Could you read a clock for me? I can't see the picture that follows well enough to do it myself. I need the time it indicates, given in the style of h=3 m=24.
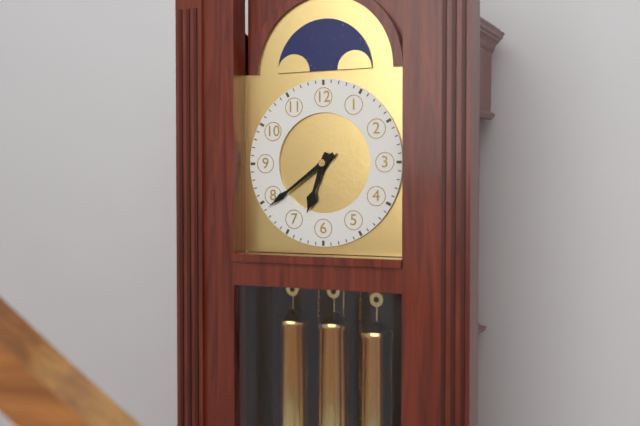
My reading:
h=6 m=39
